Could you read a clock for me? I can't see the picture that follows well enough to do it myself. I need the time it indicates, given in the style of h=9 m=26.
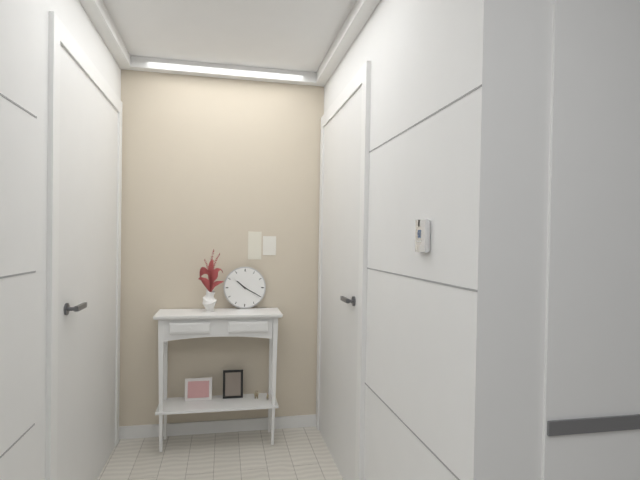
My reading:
h=10 m=20
